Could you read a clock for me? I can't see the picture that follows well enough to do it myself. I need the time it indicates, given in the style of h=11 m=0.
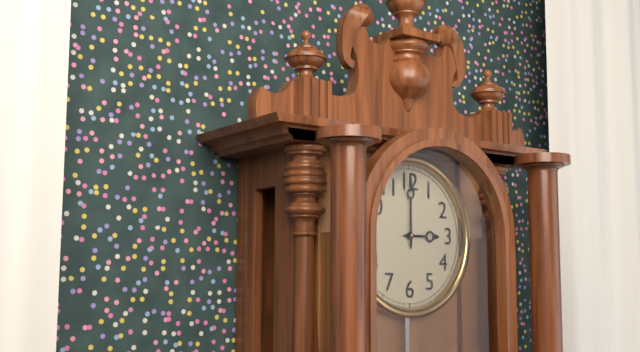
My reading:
h=3 m=0
